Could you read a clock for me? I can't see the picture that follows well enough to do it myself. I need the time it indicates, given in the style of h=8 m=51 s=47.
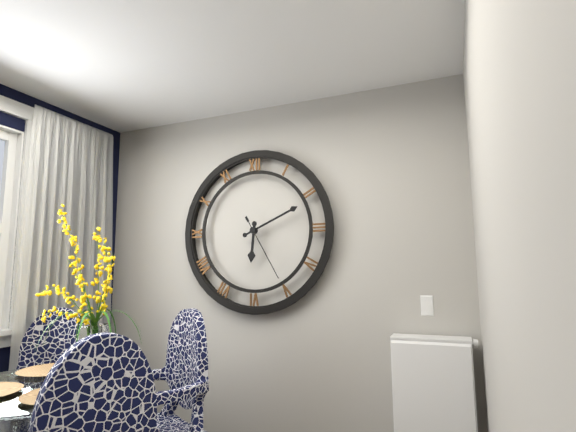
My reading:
h=6 m=11 s=25
